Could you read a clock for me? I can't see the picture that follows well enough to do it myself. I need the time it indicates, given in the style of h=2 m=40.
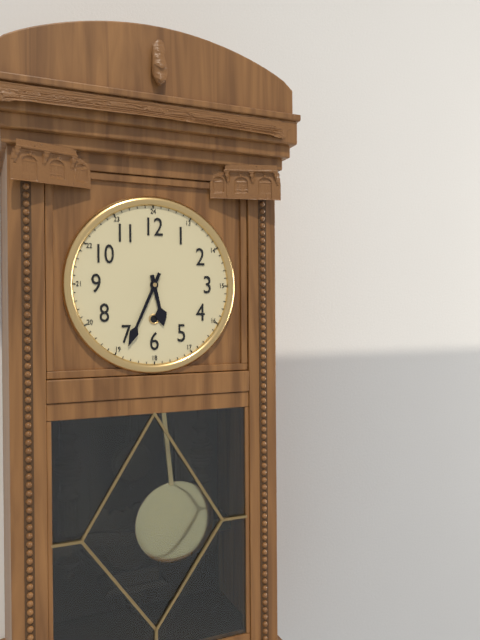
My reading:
h=5 m=34
